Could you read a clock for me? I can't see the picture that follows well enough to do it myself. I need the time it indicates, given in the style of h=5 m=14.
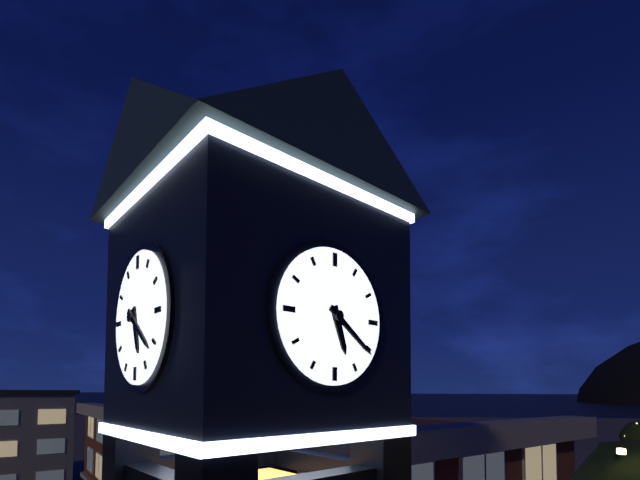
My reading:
h=5 m=21
